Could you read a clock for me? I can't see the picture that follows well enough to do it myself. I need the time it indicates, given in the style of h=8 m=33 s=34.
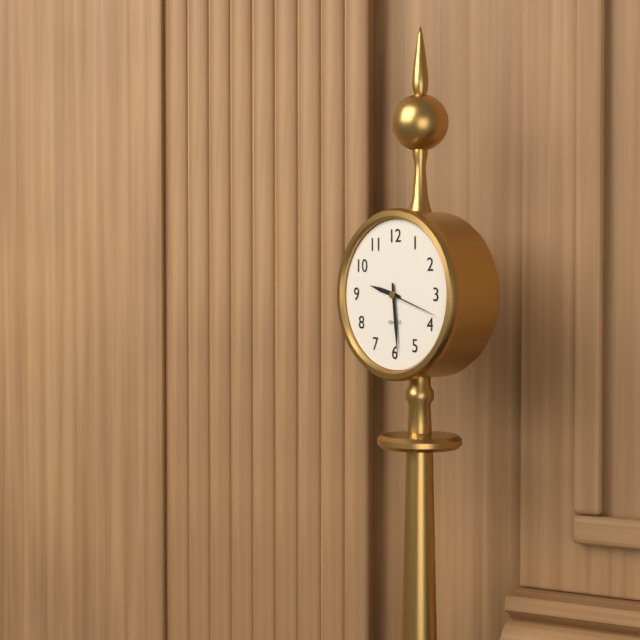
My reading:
h=9 m=29 s=18
